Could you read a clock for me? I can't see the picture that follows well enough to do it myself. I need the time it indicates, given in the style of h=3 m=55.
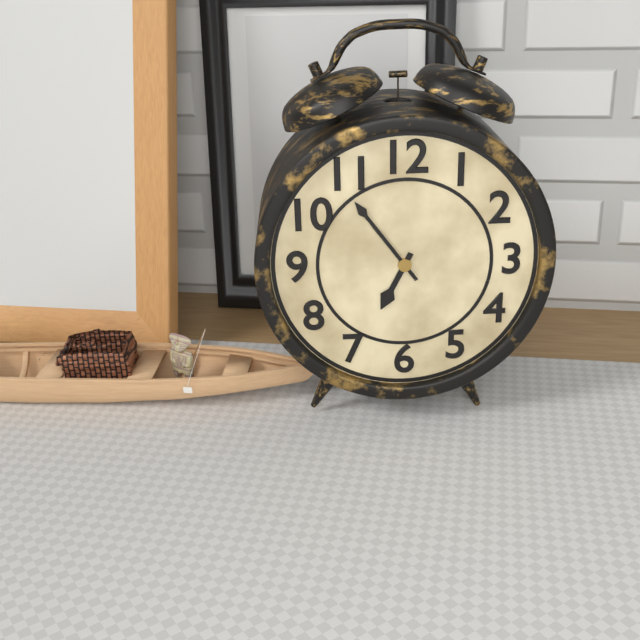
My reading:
h=6 m=54
